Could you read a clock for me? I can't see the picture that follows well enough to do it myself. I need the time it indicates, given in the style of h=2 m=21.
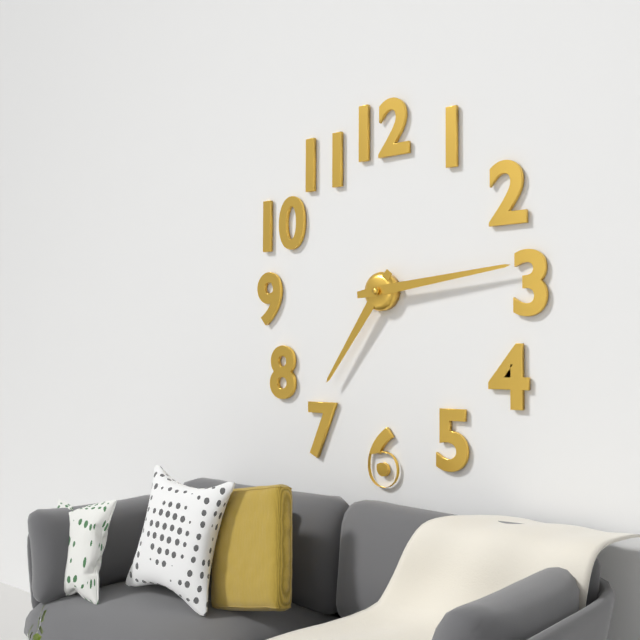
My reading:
h=7 m=14
